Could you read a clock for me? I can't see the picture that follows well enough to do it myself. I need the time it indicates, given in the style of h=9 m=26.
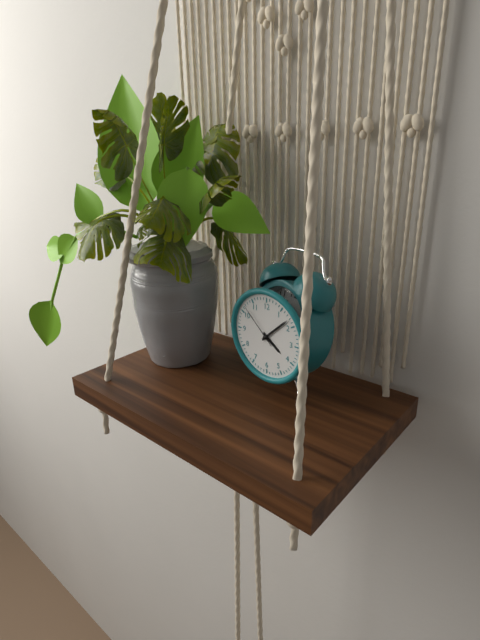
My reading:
h=4 m=8
